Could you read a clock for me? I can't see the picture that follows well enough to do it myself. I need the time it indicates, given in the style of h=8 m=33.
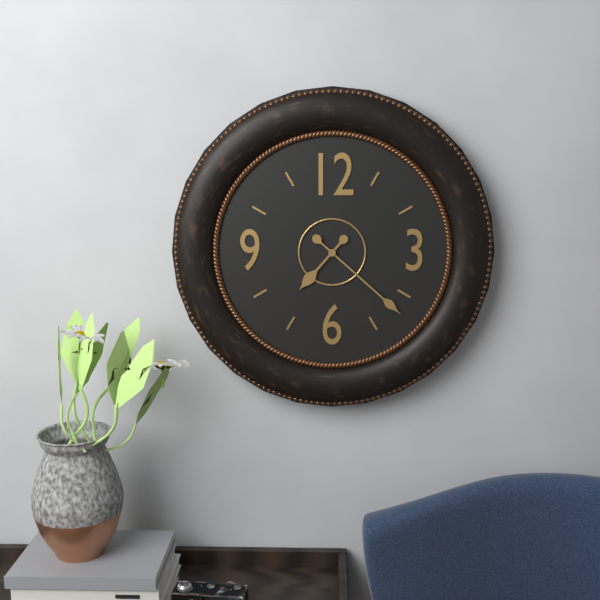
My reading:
h=7 m=22
